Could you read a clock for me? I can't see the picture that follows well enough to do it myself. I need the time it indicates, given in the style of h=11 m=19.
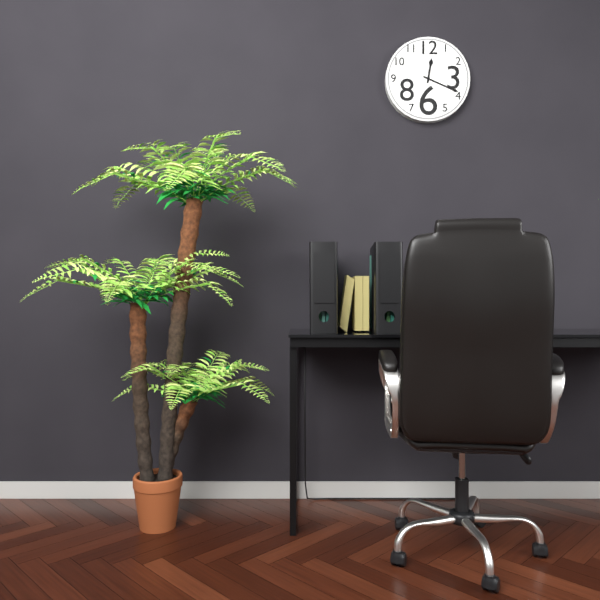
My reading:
h=12 m=19
